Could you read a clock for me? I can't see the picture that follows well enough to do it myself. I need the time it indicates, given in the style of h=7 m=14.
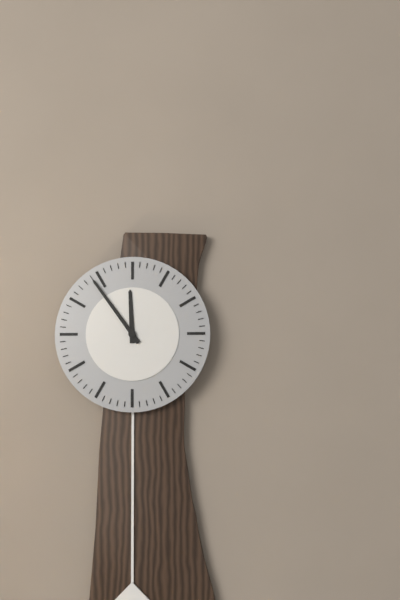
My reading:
h=11 m=54
